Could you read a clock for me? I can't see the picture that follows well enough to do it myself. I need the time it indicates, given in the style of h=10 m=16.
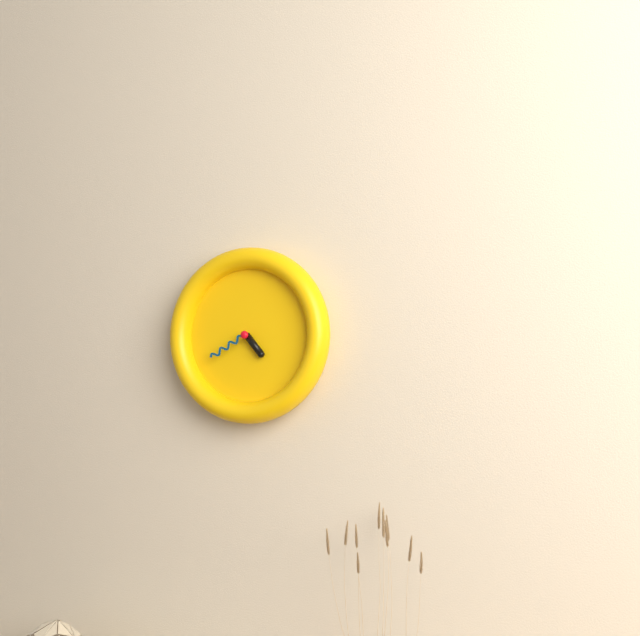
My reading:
h=4 m=40
